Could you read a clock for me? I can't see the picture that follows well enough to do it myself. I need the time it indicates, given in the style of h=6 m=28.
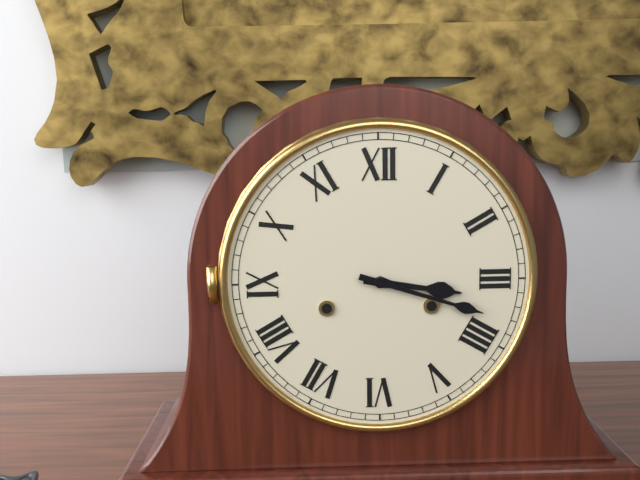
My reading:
h=3 m=18
